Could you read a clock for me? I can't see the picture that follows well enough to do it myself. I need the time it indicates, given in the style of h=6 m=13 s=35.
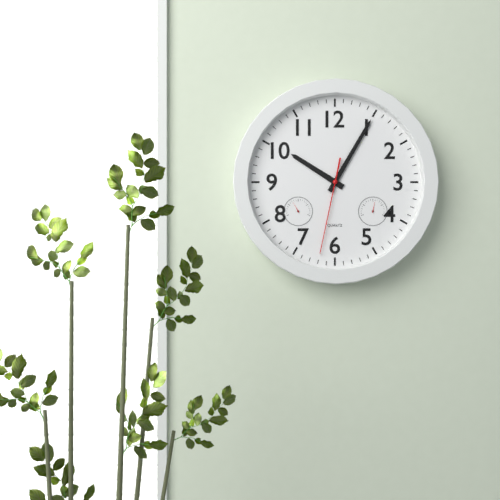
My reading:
h=10 m=5 s=32
